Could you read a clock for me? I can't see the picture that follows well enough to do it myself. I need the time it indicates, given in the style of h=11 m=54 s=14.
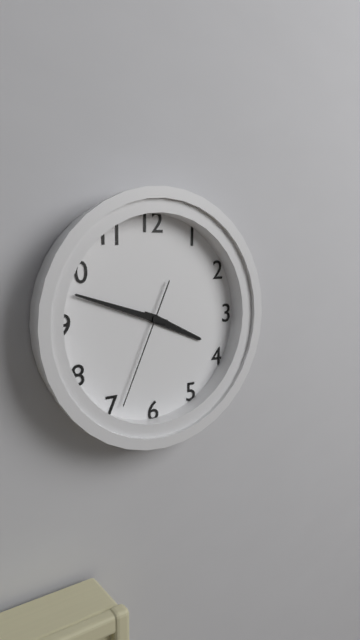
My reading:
h=3 m=48 s=34
